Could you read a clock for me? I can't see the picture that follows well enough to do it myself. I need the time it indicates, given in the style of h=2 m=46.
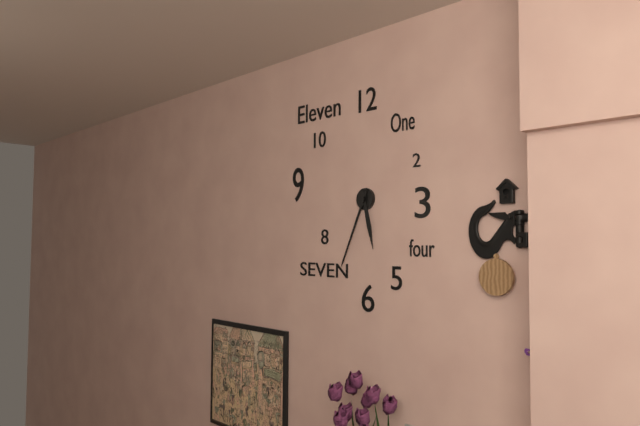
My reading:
h=5 m=34
